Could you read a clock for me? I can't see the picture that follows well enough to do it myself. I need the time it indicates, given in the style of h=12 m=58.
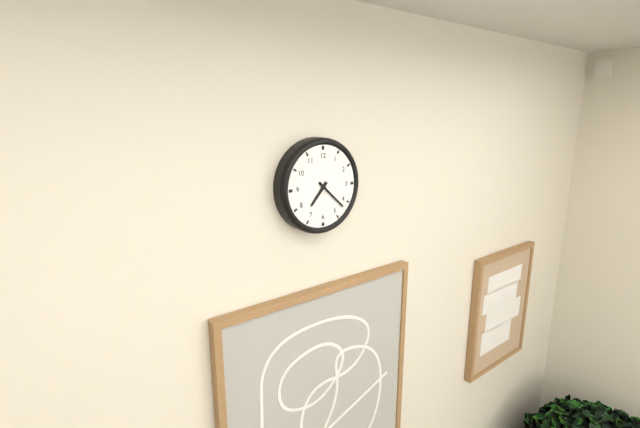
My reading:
h=7 m=22
